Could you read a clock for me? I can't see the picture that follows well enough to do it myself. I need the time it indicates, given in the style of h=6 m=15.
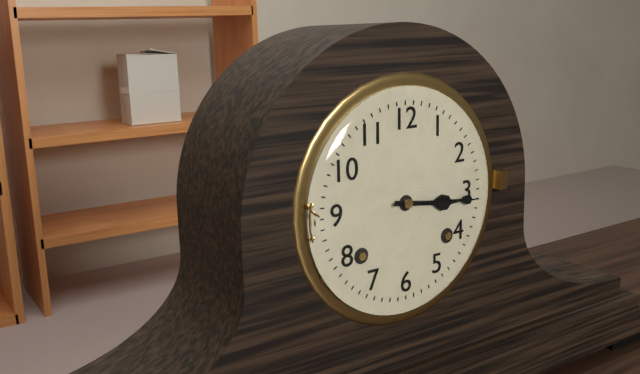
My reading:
h=3 m=16
